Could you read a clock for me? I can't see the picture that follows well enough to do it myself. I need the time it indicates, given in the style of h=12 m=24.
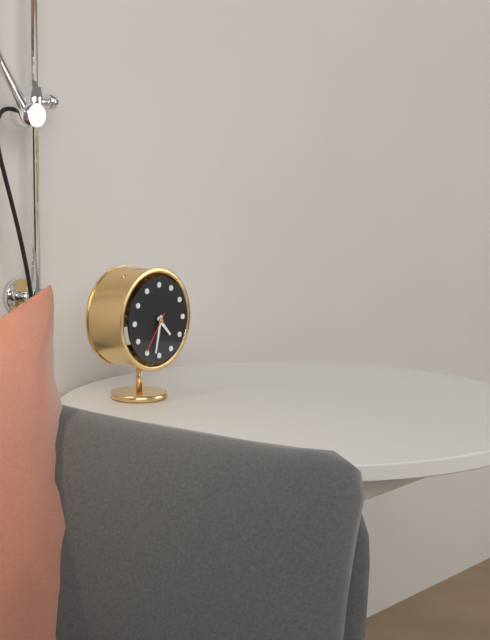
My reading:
h=4 m=32
